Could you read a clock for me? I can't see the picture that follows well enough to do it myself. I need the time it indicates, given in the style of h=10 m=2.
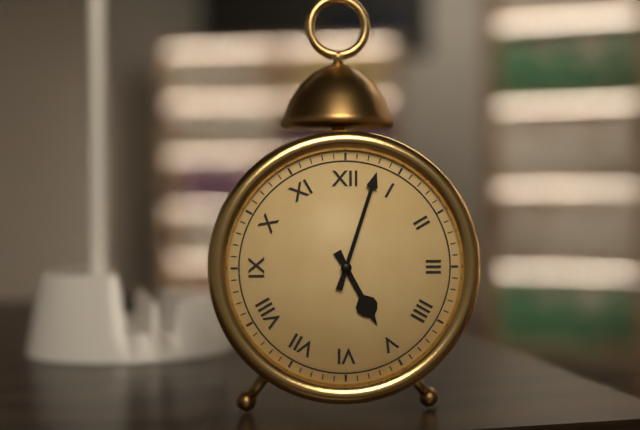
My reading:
h=5 m=3
